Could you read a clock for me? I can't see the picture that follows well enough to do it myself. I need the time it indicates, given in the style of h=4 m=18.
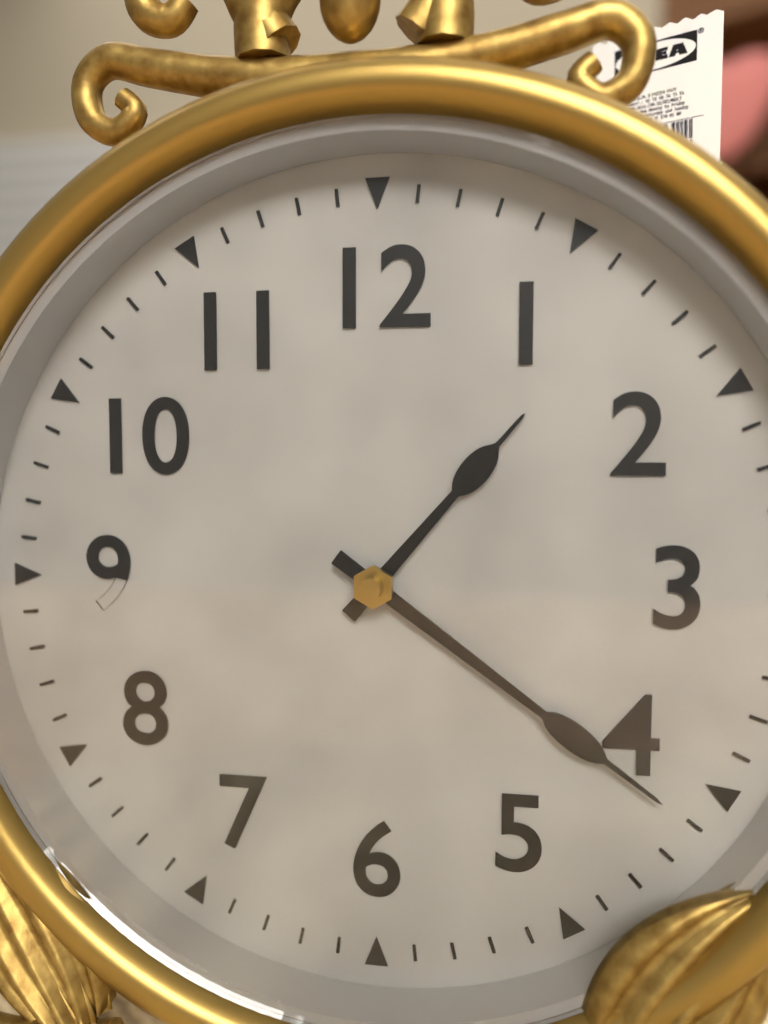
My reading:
h=1 m=21
